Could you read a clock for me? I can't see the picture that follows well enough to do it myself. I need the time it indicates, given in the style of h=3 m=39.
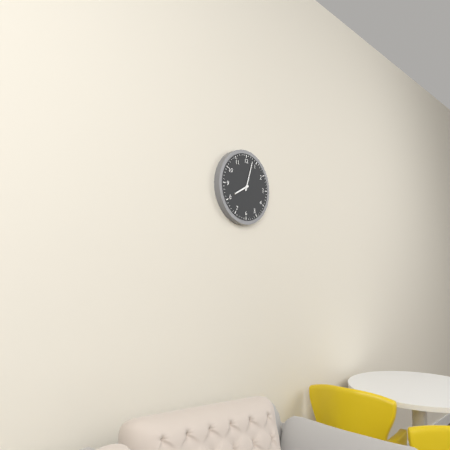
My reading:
h=8 m=3
